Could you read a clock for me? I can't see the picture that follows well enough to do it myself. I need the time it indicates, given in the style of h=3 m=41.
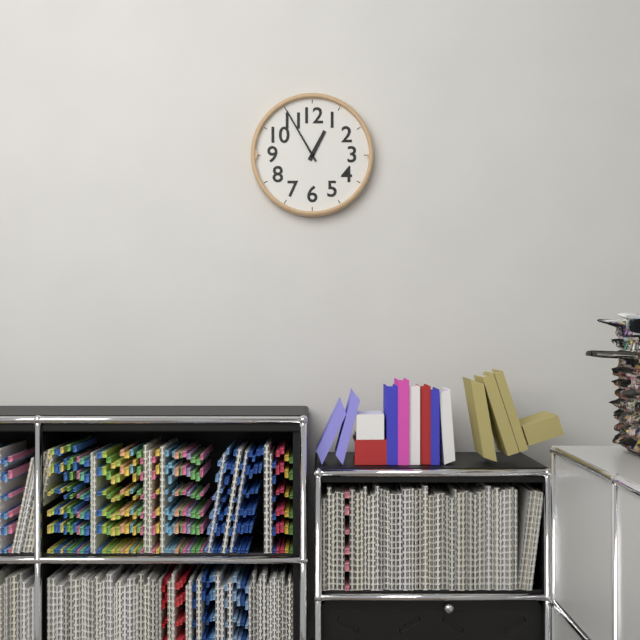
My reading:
h=12 m=55
